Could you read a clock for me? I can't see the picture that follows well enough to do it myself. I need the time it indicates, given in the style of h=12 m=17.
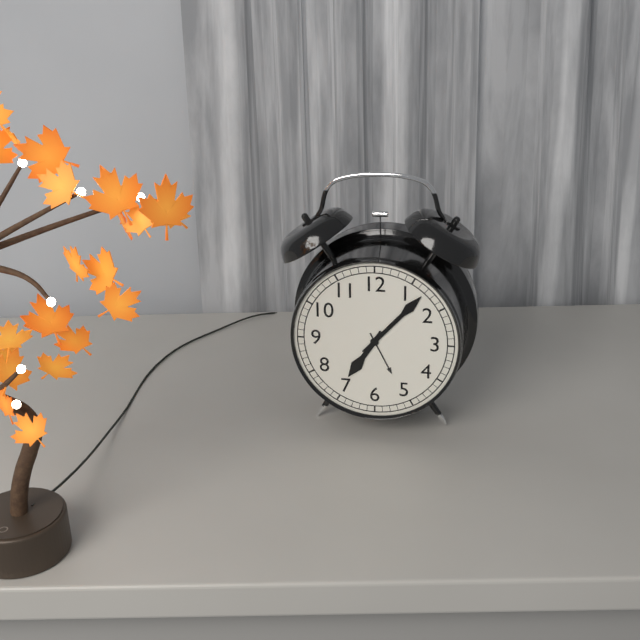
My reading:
h=7 m=7
